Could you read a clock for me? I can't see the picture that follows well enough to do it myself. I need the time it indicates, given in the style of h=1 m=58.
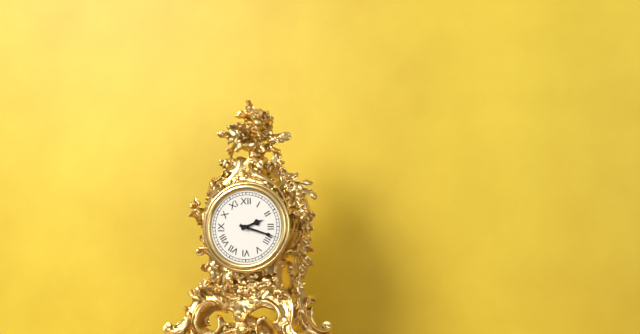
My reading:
h=2 m=18
